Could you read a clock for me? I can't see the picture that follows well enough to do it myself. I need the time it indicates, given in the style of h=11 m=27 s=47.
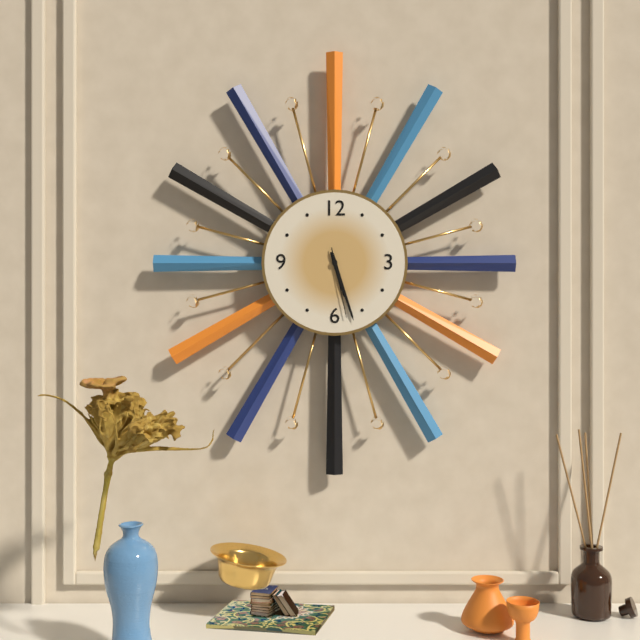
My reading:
h=5 m=27 s=28
